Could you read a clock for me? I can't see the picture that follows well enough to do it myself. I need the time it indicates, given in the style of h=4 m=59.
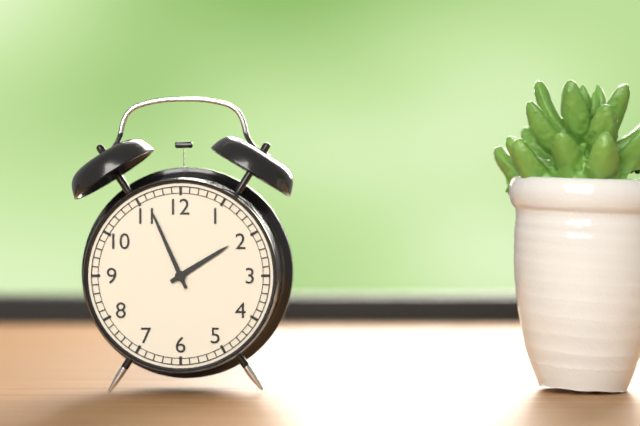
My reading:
h=1 m=56
